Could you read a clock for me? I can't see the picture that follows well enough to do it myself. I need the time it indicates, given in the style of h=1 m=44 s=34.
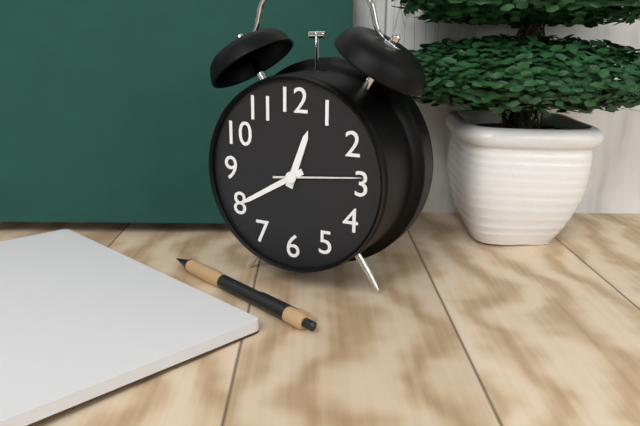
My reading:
h=12 m=40 s=14
